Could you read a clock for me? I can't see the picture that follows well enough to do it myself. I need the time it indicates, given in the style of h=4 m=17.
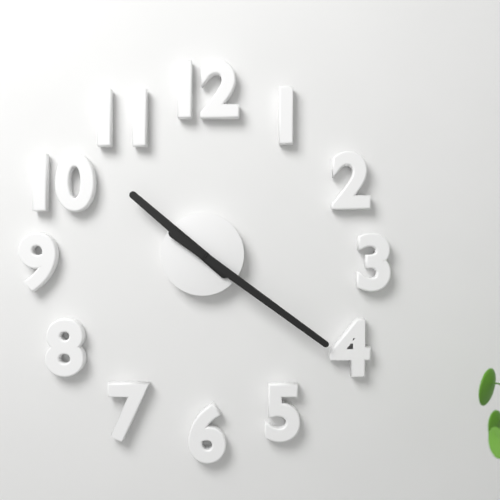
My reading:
h=10 m=21
